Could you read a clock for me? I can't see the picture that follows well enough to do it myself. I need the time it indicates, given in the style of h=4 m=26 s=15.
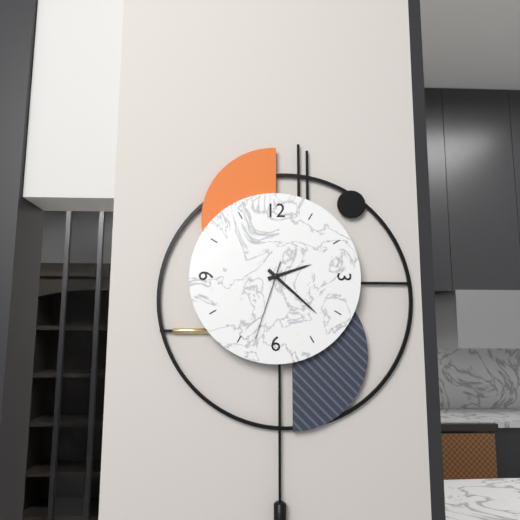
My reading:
h=2 m=22 s=33
